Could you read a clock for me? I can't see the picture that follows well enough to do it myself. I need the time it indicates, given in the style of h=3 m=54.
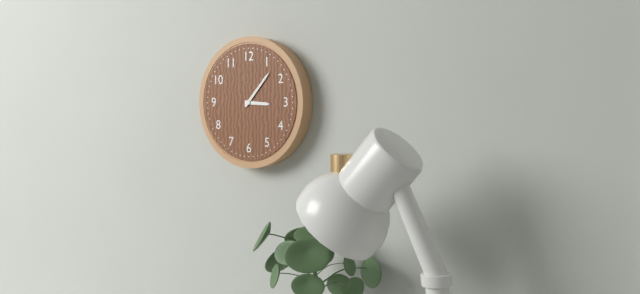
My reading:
h=3 m=7
